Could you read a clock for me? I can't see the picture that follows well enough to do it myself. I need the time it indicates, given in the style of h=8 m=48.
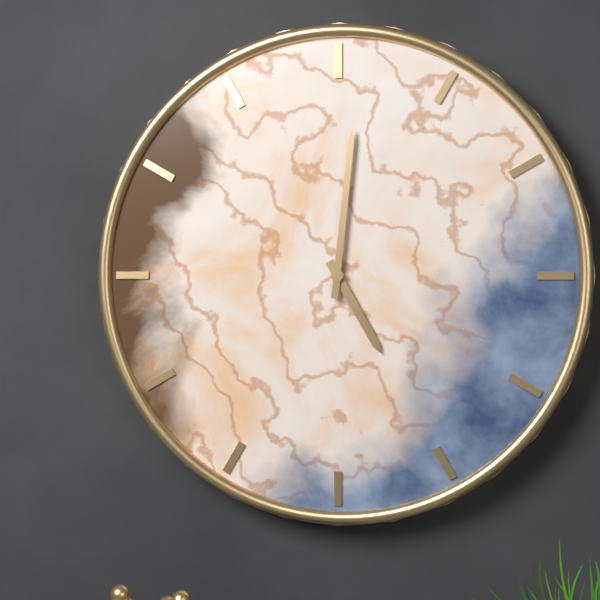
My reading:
h=5 m=1
